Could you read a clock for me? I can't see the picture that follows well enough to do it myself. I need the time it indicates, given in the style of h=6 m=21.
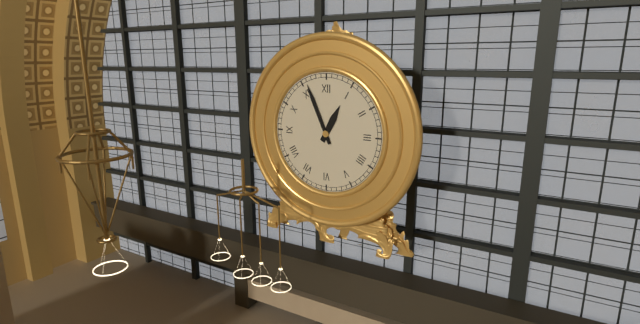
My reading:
h=12 m=56
